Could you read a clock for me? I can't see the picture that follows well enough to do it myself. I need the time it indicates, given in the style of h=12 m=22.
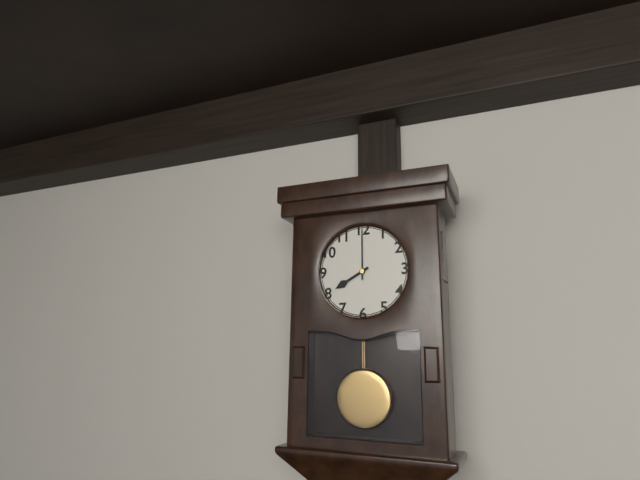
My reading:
h=8 m=0
